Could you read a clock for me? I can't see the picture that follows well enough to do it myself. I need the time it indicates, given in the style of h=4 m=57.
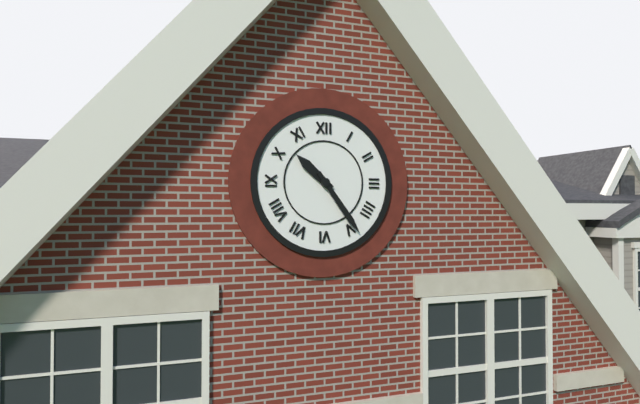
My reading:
h=10 m=24
